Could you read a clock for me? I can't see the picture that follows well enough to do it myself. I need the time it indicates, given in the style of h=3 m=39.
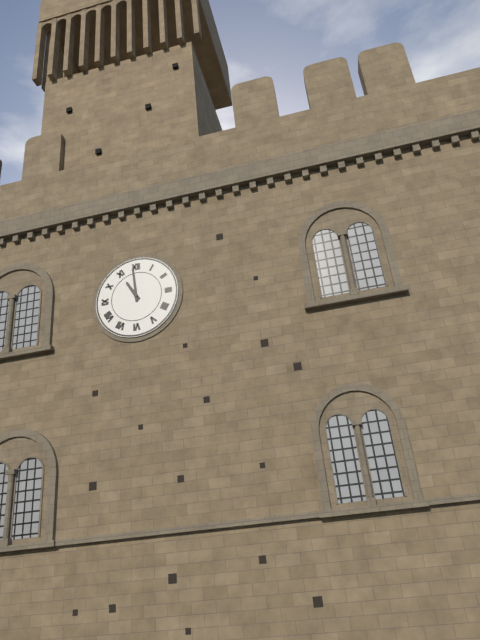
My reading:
h=10 m=59
